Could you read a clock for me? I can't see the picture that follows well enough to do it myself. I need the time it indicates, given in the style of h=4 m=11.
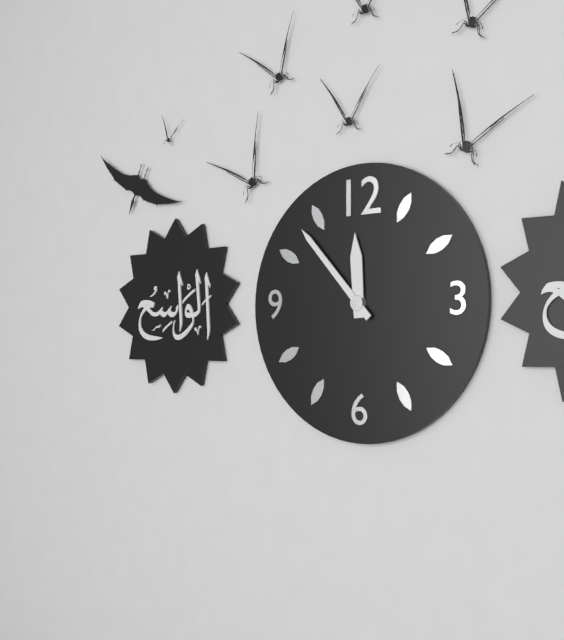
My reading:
h=11 m=53
